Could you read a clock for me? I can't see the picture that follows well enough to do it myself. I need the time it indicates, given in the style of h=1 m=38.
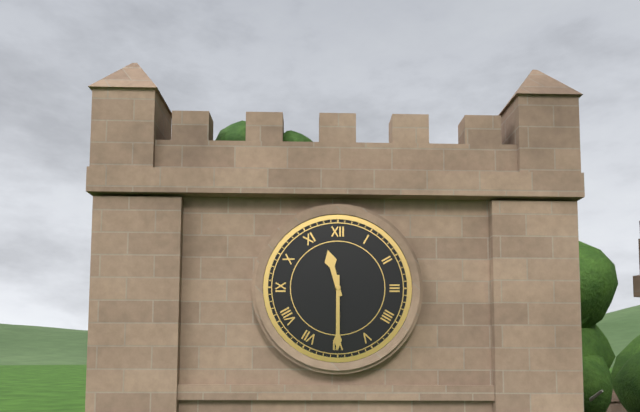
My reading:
h=11 m=30
